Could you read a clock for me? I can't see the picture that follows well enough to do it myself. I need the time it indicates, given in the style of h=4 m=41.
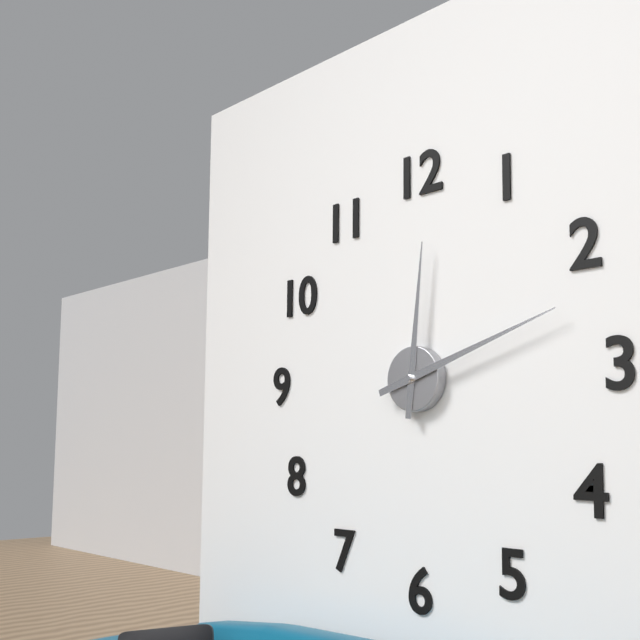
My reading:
h=12 m=12
